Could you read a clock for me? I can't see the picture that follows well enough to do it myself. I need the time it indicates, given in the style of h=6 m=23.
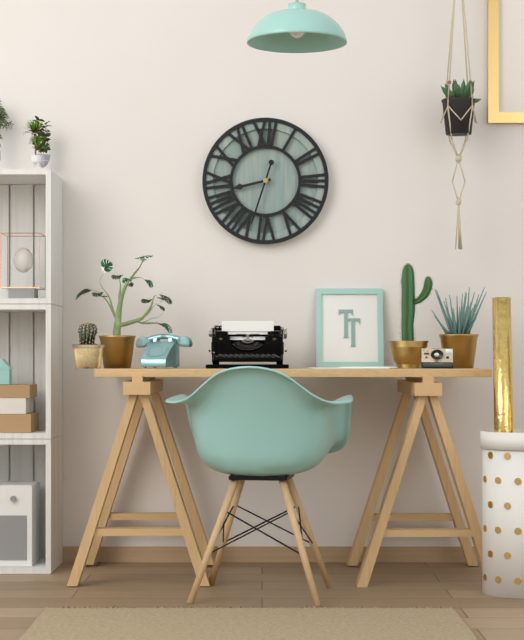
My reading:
h=8 m=33
